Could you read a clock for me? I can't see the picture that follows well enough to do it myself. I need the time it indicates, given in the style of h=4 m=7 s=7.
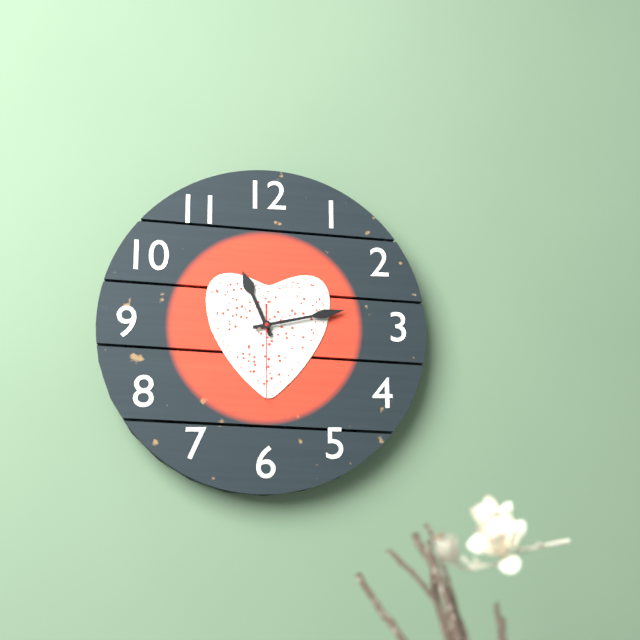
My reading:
h=11 m=13 s=30
